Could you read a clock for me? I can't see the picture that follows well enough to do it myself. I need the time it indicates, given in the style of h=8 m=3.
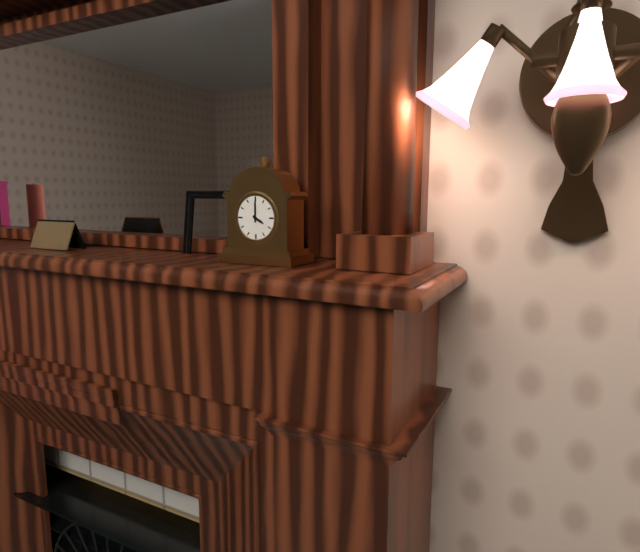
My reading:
h=4 m=0
